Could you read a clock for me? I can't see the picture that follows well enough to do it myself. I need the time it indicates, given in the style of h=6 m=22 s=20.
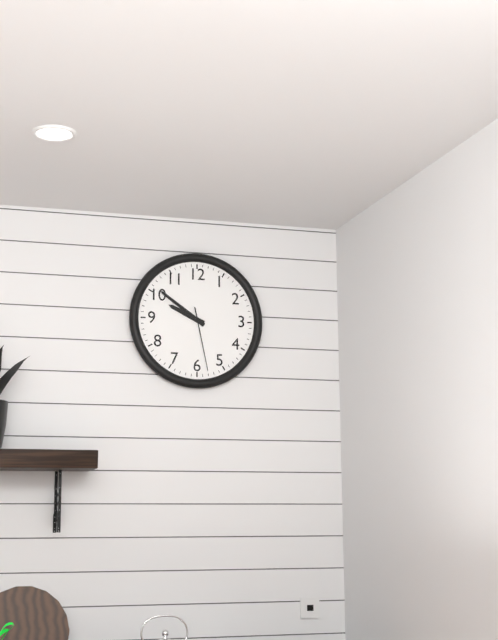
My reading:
h=9 m=51 s=28
